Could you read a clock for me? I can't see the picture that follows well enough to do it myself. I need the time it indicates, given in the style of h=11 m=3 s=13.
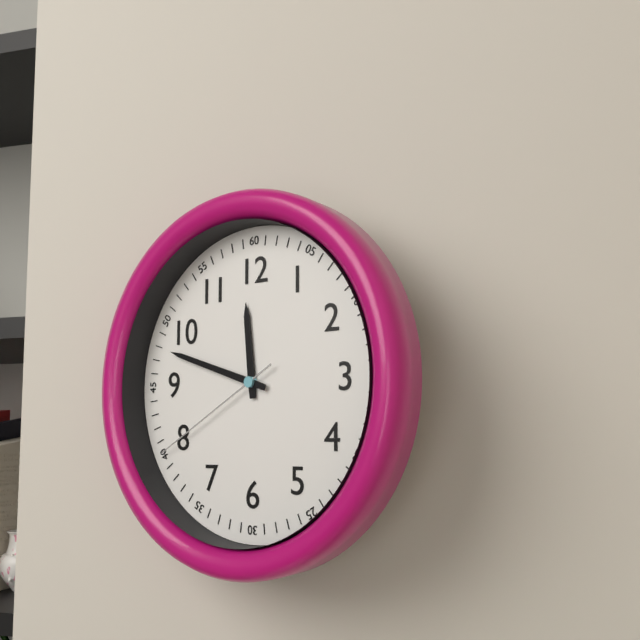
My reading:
h=11 m=48 s=40
